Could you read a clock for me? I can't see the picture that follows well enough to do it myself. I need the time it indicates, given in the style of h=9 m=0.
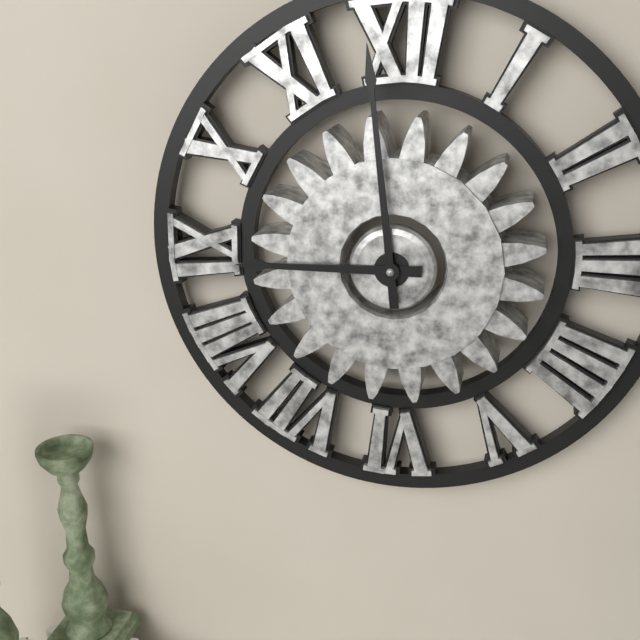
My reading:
h=8 m=59
